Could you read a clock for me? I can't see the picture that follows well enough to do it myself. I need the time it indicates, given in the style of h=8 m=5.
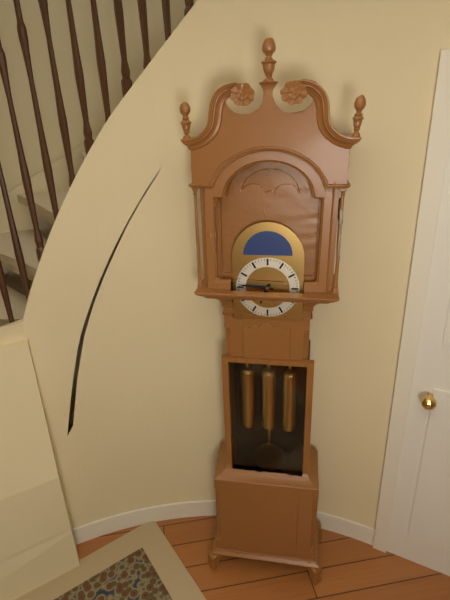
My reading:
h=6 m=46
